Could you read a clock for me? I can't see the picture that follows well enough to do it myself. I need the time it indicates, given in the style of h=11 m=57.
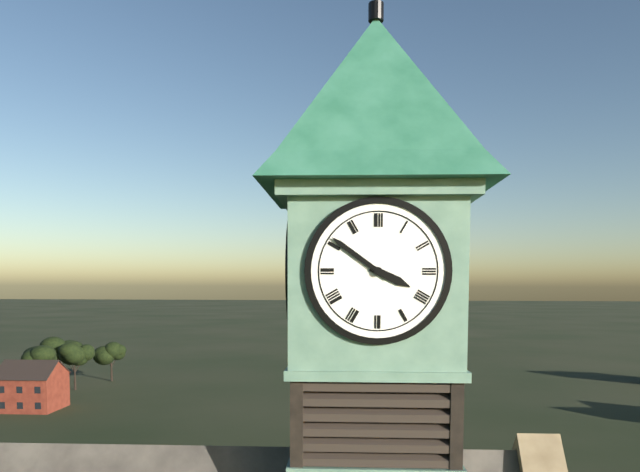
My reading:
h=3 m=51
